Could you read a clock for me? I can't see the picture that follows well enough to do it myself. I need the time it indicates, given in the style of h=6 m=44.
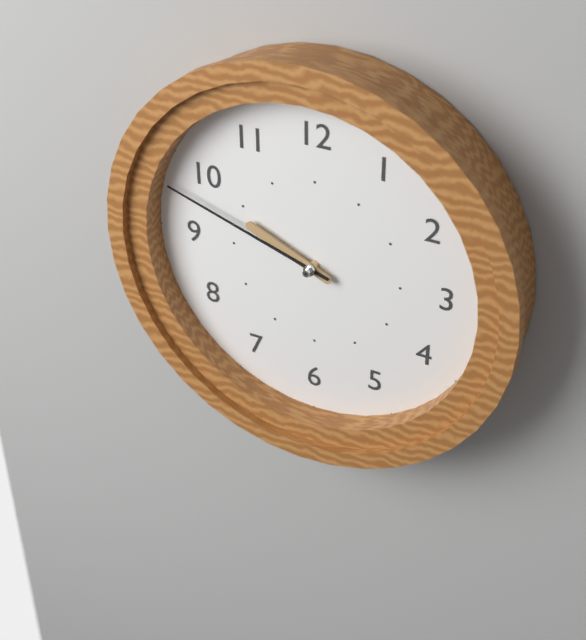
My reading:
h=9 m=48
